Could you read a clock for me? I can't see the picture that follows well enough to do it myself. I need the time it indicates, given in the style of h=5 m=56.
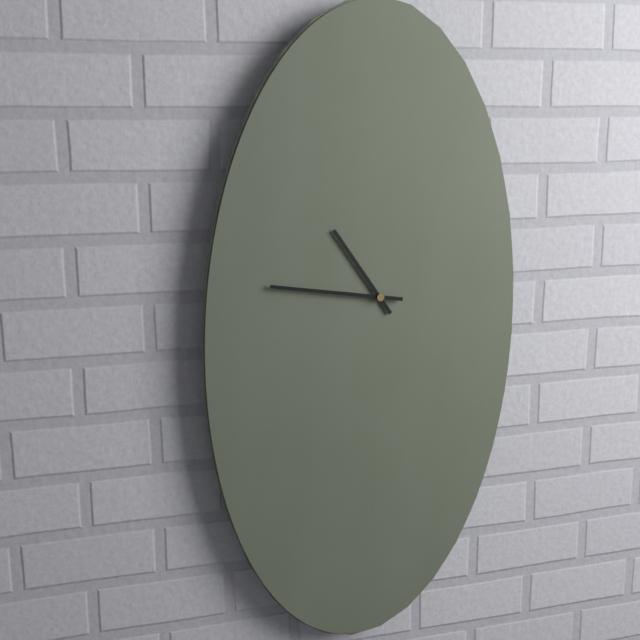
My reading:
h=10 m=46
